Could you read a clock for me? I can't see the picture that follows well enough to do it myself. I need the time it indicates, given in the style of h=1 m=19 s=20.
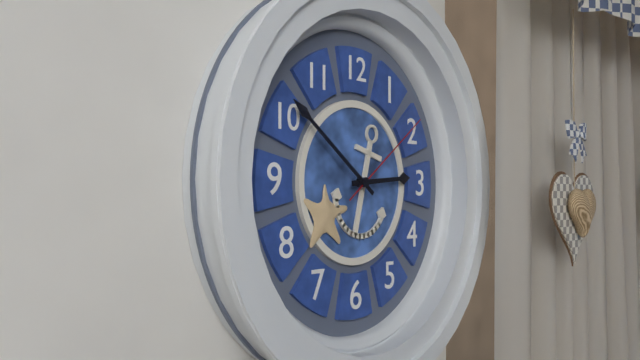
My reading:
h=2 m=51 s=9
